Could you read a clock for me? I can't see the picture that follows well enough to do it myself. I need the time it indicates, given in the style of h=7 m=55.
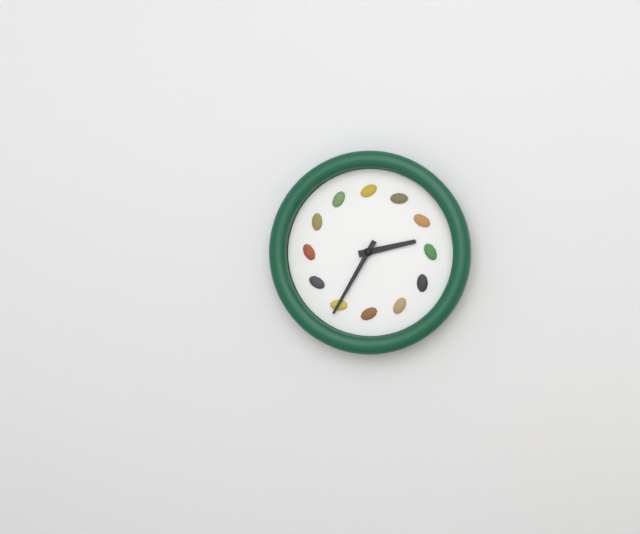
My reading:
h=2 m=35
